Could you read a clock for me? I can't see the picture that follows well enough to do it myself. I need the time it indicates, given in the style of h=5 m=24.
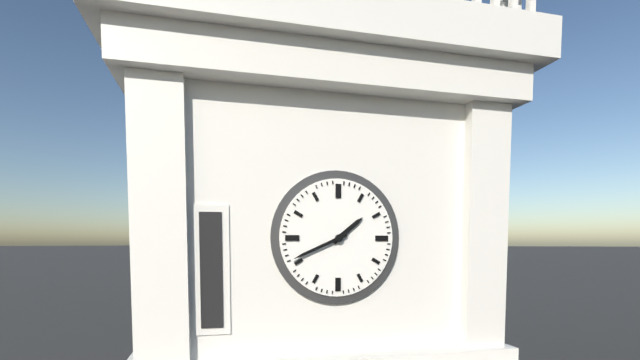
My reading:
h=1 m=41
